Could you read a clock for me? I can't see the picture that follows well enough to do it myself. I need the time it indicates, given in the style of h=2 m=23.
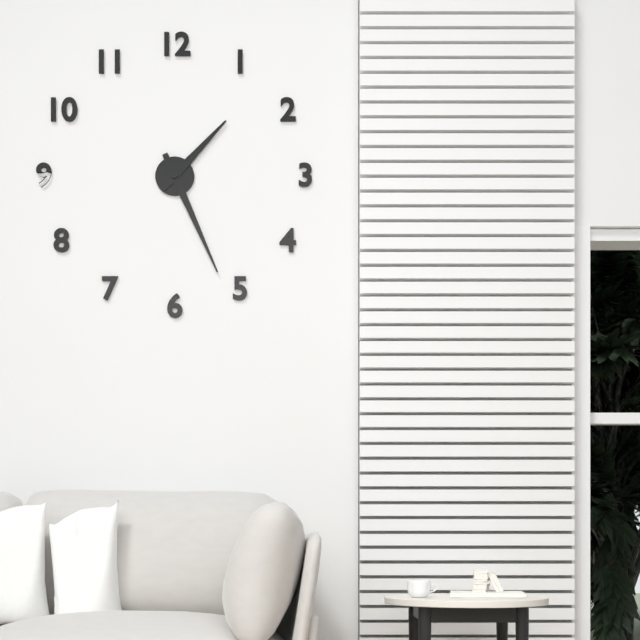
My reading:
h=1 m=26
